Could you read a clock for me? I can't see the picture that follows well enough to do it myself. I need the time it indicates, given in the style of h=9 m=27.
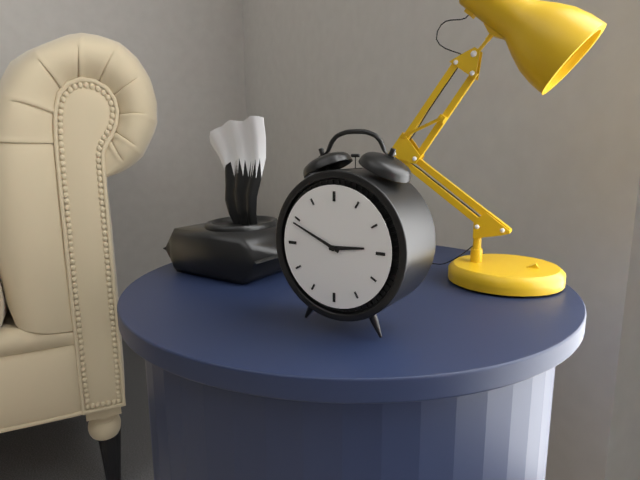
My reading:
h=2 m=49
